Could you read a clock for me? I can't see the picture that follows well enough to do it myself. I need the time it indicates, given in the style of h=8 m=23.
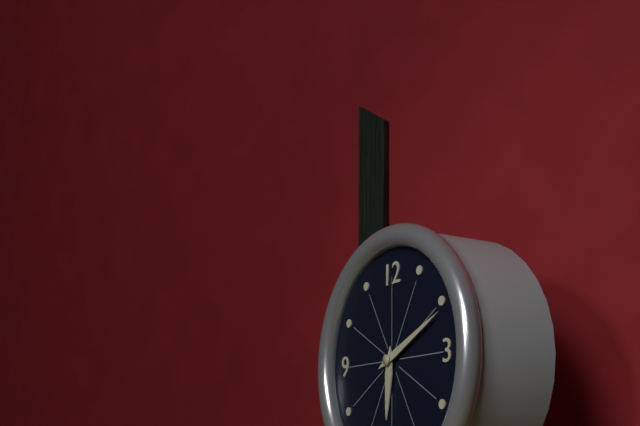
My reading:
h=6 m=11
